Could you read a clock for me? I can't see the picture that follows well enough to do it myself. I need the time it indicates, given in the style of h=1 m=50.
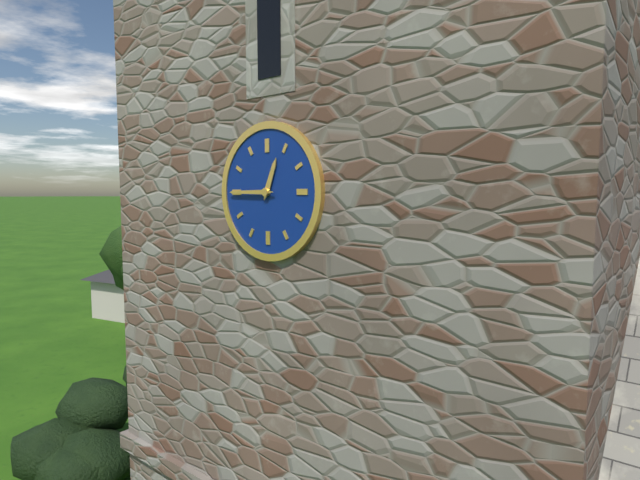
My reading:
h=12 m=45
